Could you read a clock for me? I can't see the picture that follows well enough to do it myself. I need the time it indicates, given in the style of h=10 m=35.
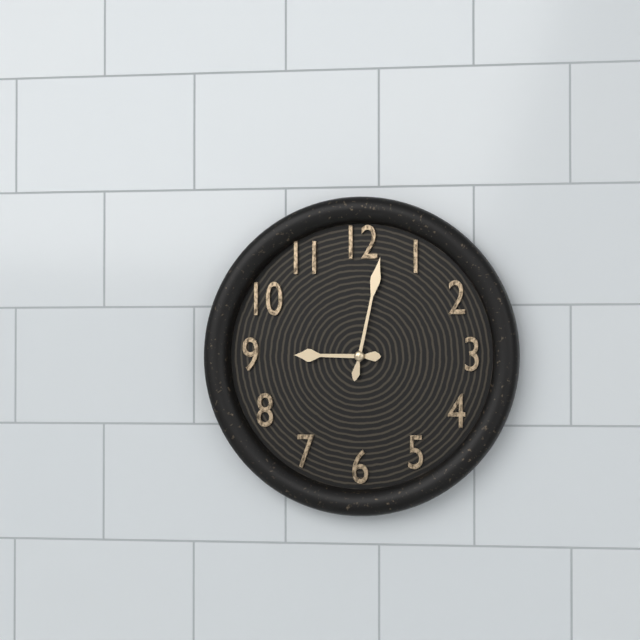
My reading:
h=9 m=2
